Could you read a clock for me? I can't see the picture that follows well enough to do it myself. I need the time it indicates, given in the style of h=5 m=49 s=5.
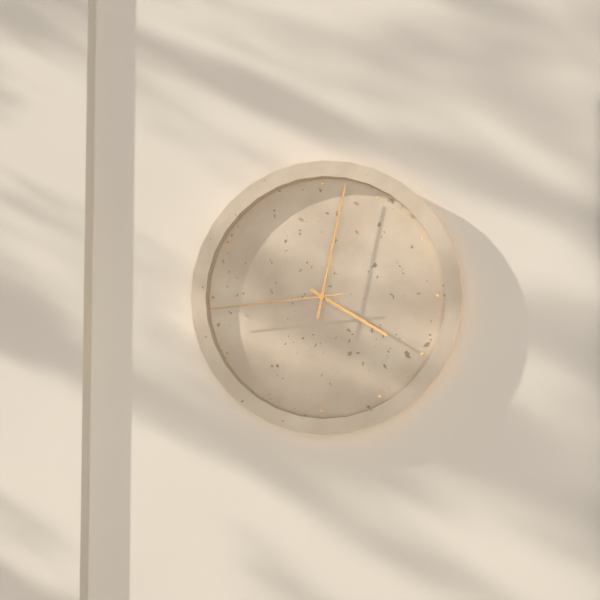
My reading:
h=4 m=2 s=44
